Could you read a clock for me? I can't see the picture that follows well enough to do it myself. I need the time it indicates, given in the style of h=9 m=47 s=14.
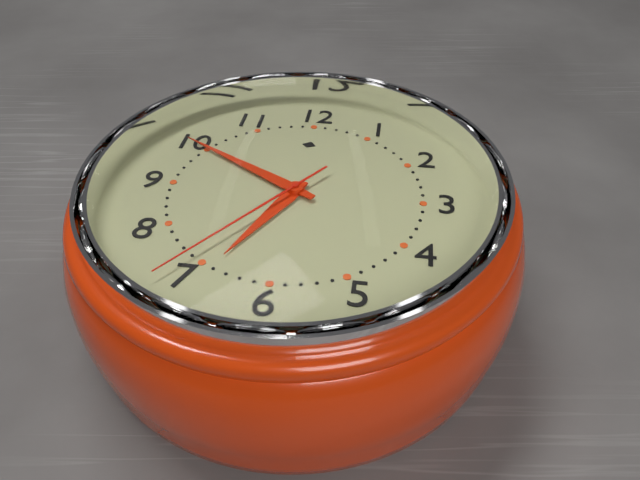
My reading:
h=6 m=50 s=36
